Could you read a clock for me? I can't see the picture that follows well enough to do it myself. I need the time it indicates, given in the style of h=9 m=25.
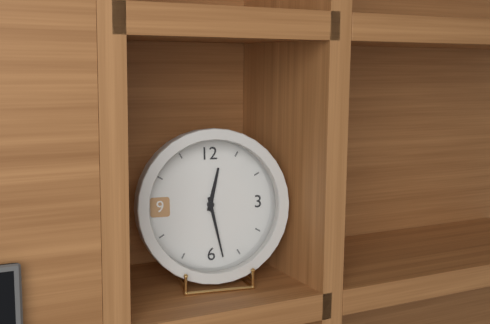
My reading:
h=12 m=28
